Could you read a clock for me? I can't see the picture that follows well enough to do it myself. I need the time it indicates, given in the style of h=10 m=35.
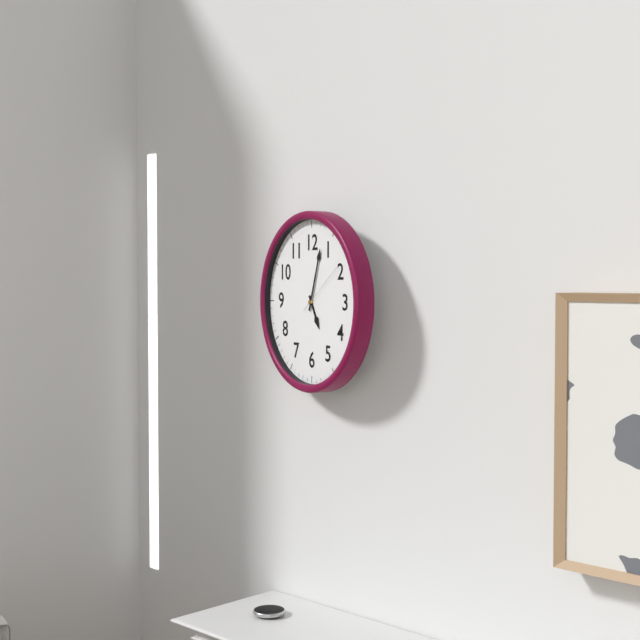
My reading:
h=5 m=3
